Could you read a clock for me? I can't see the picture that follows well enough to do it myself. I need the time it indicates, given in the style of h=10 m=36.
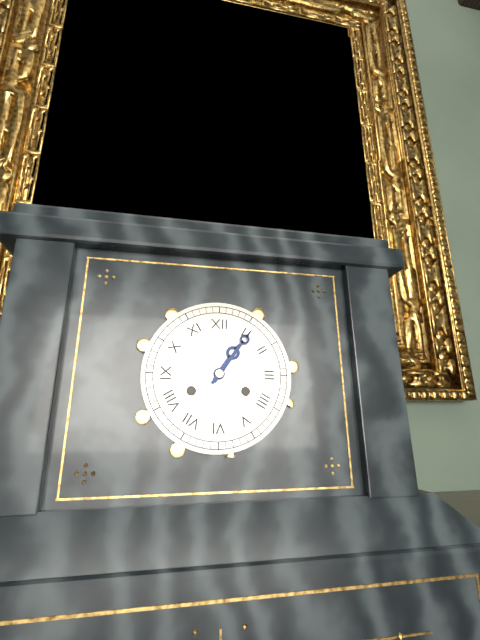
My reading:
h=1 m=6
